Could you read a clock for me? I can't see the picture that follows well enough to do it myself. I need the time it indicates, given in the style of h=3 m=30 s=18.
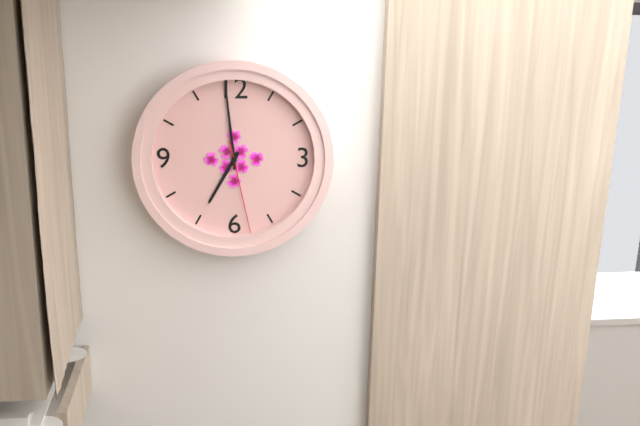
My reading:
h=6 m=59 s=28
